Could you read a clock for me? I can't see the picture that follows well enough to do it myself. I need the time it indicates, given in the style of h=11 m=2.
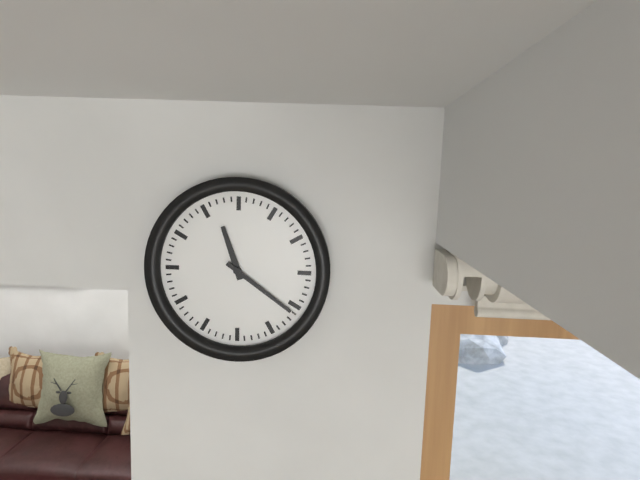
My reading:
h=11 m=21
